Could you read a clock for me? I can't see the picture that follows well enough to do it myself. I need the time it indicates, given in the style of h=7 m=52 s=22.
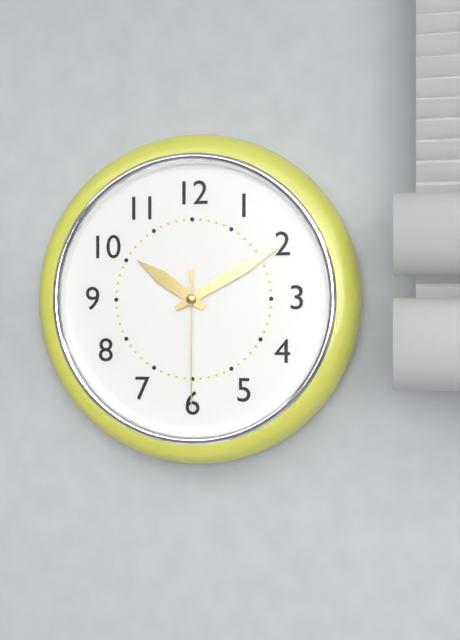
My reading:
h=10 m=10 s=30
